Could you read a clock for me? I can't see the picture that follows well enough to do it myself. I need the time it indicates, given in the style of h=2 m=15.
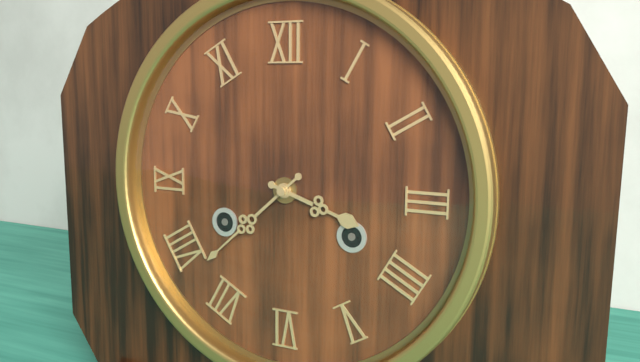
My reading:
h=3 m=38
